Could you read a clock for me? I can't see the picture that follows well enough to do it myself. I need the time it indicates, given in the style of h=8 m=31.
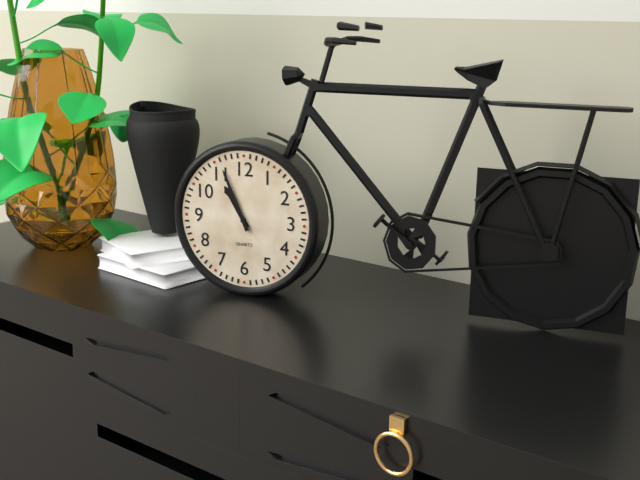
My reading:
h=10 m=56
